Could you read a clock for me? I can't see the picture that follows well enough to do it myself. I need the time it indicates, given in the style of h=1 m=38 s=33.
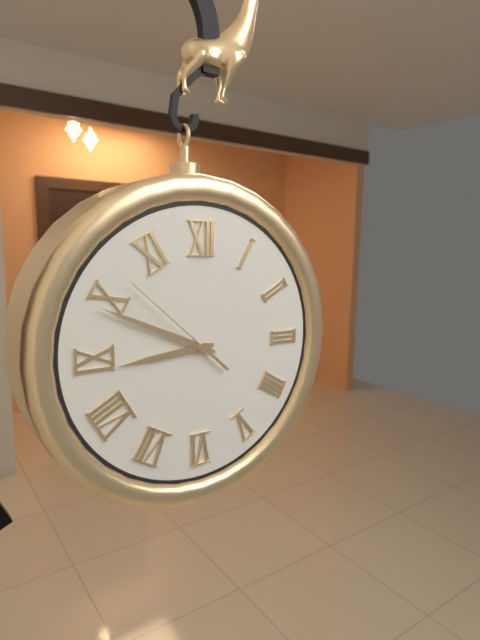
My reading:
h=8 m=49 s=52
